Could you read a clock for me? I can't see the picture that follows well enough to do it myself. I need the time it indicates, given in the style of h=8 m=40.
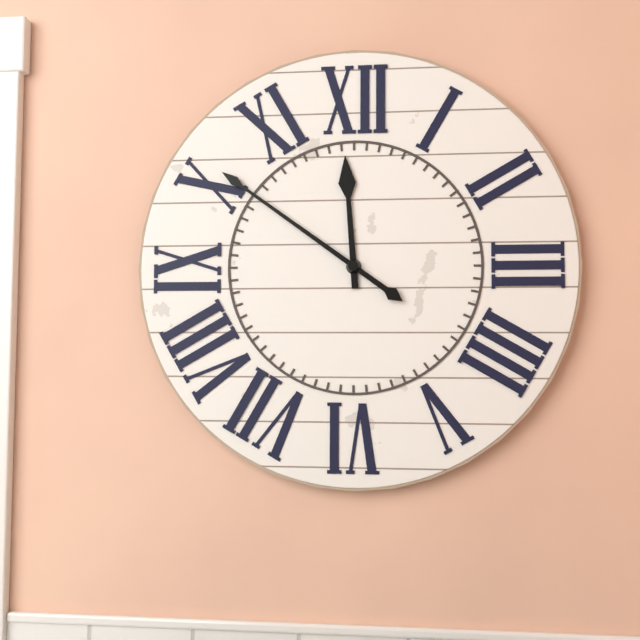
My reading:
h=11 m=51
